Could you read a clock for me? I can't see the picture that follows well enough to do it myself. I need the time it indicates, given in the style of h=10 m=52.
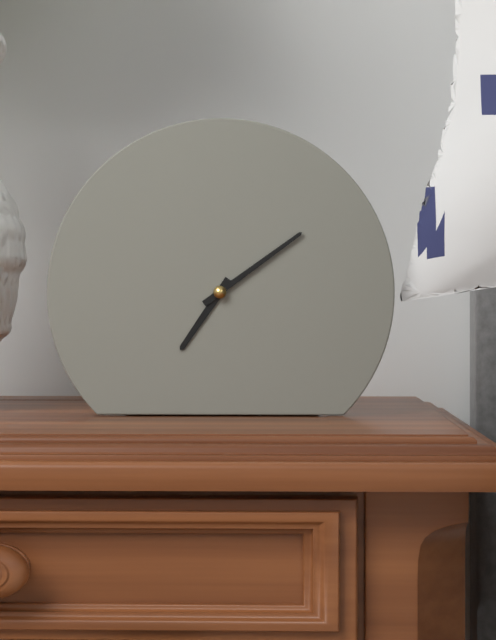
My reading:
h=7 m=9
